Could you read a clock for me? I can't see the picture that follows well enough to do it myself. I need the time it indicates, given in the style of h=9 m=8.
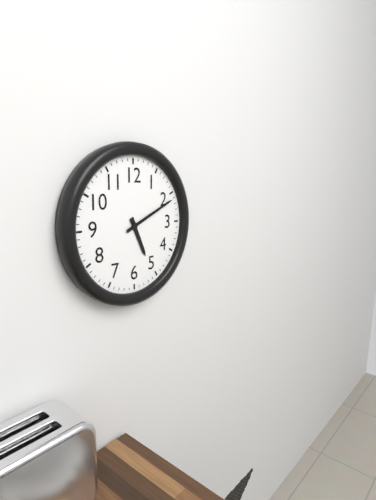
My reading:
h=5 m=11
